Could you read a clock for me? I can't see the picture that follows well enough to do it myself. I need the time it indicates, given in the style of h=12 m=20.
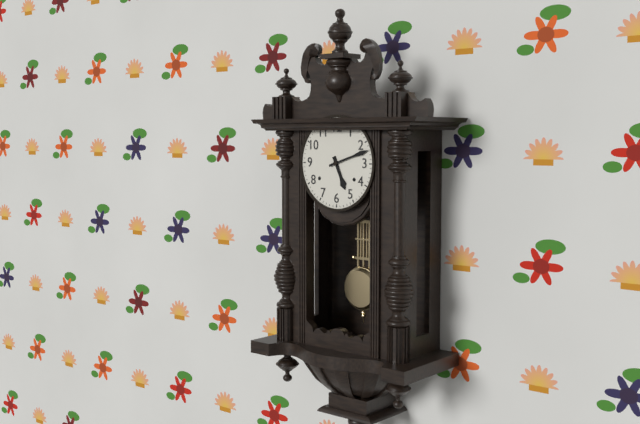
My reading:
h=5 m=12
